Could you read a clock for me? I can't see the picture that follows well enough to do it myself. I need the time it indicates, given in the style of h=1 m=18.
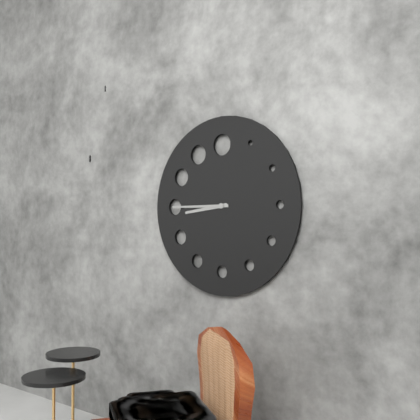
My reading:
h=8 m=45
